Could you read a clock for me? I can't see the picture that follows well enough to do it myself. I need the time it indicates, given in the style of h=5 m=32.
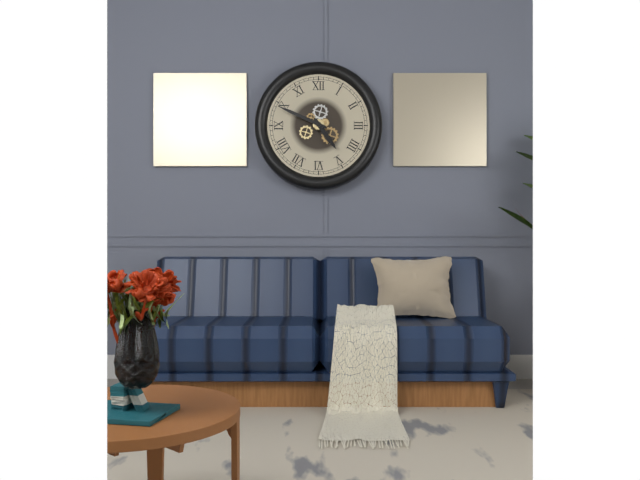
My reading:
h=4 m=49
